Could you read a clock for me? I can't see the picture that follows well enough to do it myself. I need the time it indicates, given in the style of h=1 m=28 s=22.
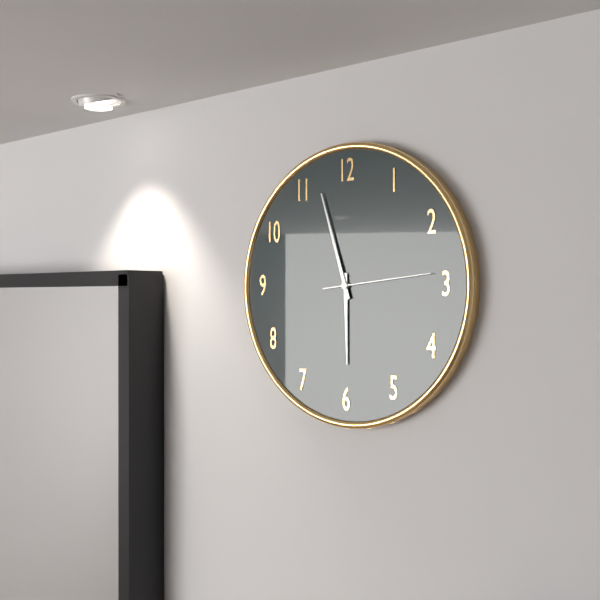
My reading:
h=5 m=57 s=14
